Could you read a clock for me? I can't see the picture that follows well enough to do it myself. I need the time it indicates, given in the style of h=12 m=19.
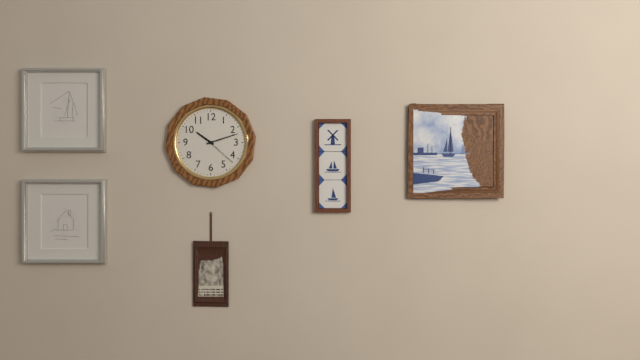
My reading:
h=10 m=12
